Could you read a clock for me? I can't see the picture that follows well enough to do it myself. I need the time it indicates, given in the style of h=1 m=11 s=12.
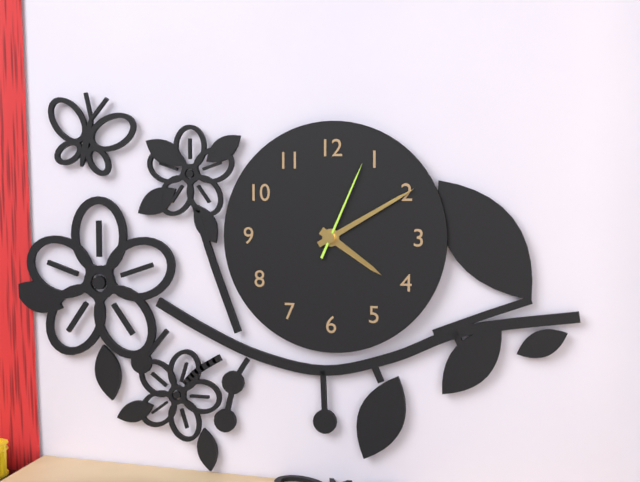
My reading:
h=4 m=10 s=4
